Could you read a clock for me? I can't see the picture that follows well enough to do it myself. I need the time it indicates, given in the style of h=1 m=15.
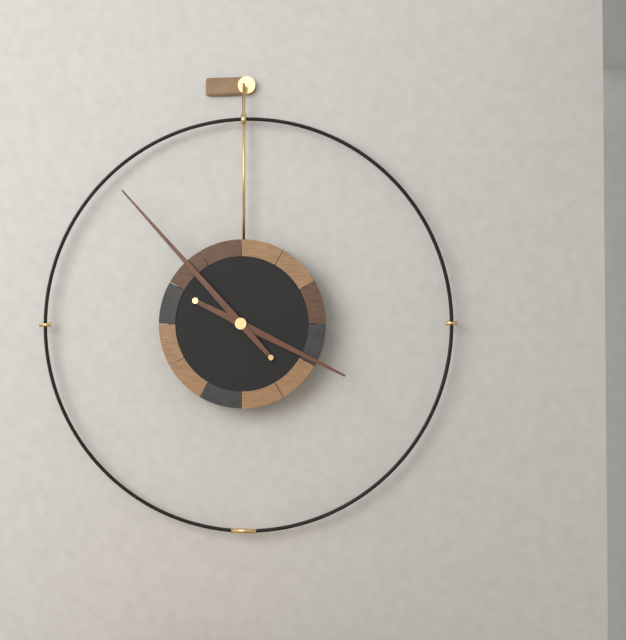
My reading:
h=3 m=53
